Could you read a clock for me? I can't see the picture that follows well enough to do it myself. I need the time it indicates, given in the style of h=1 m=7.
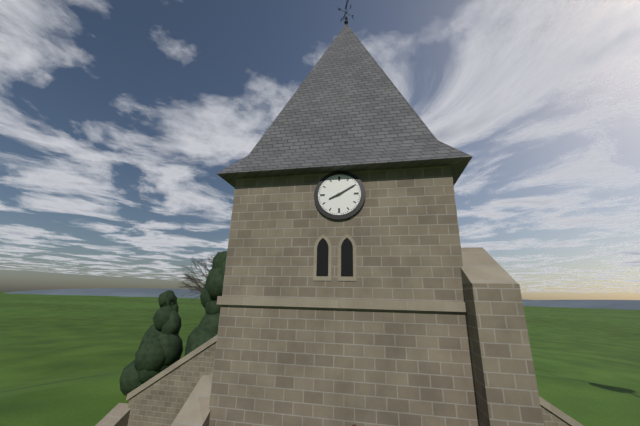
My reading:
h=8 m=10
